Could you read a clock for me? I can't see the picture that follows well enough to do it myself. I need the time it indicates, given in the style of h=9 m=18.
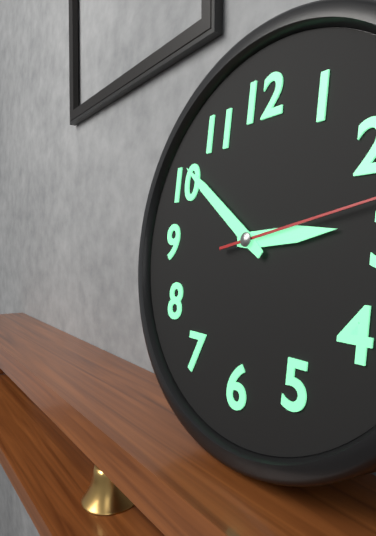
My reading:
h=2 m=51
